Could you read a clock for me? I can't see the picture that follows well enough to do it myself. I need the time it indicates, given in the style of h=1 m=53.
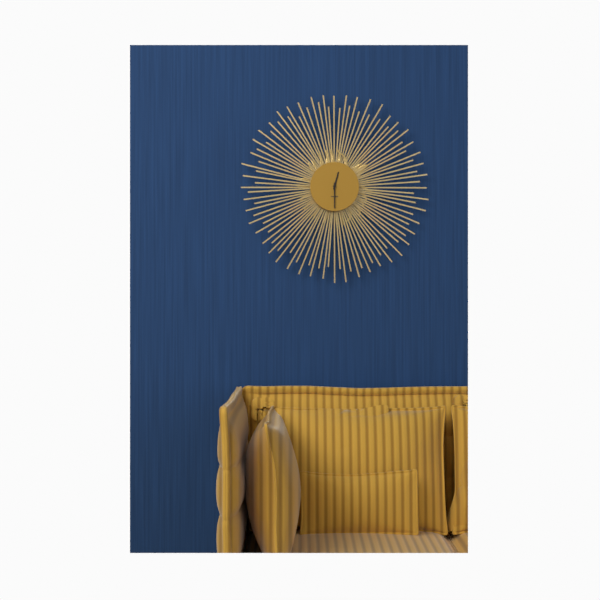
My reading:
h=12 m=30
